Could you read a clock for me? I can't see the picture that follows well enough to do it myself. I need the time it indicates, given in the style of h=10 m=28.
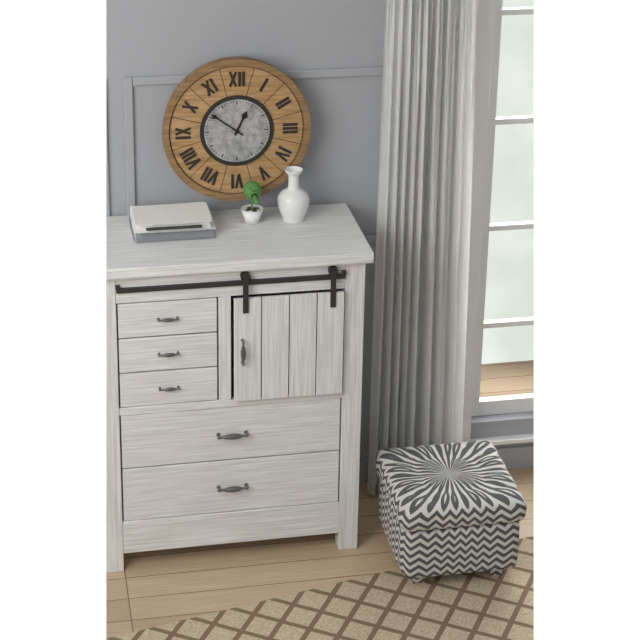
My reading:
h=12 m=51
